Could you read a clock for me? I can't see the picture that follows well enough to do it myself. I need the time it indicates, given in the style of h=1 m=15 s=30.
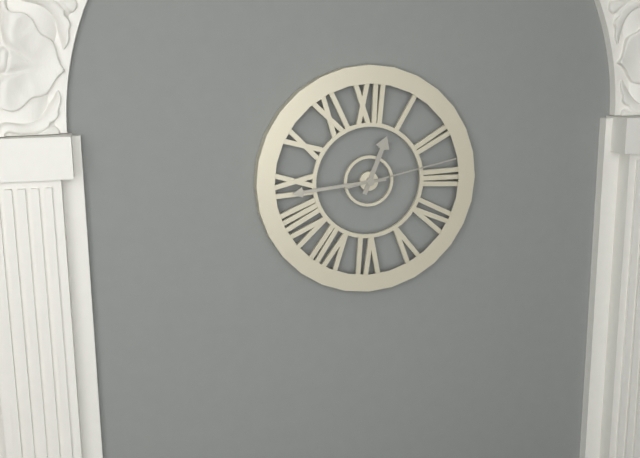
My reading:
h=12 m=44 s=13
